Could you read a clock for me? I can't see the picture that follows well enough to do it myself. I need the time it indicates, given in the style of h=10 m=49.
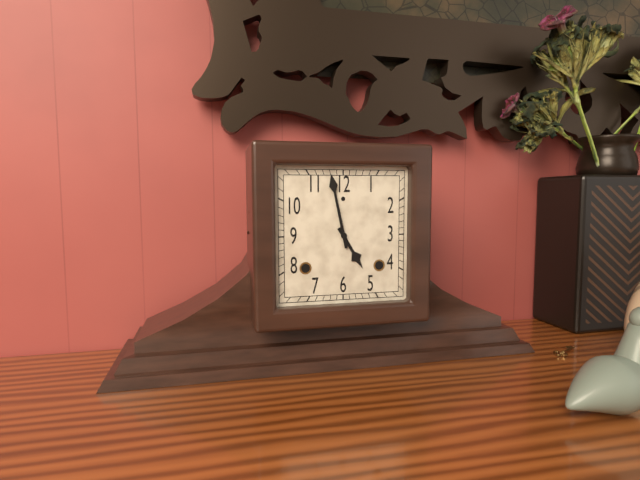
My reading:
h=4 m=58
